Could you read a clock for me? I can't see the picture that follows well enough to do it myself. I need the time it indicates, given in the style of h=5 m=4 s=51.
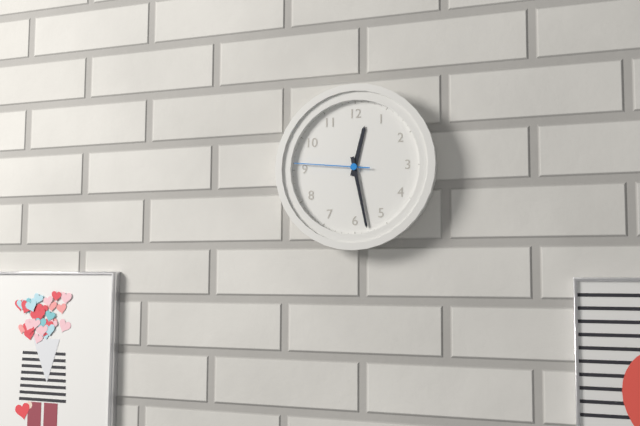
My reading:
h=12 m=28 s=46
